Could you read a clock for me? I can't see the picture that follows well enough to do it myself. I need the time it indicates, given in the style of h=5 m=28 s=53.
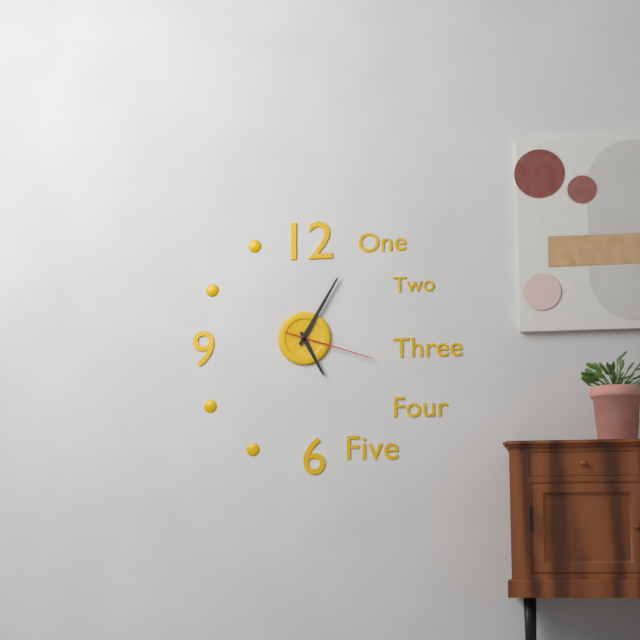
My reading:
h=5 m=5 s=18
